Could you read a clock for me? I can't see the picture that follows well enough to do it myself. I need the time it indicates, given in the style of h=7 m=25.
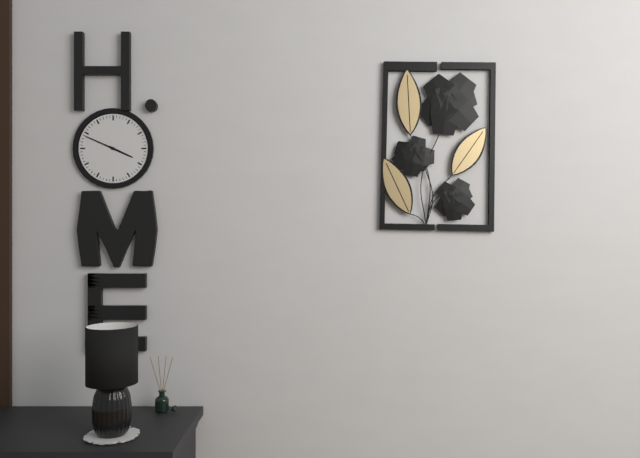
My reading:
h=3 m=49
